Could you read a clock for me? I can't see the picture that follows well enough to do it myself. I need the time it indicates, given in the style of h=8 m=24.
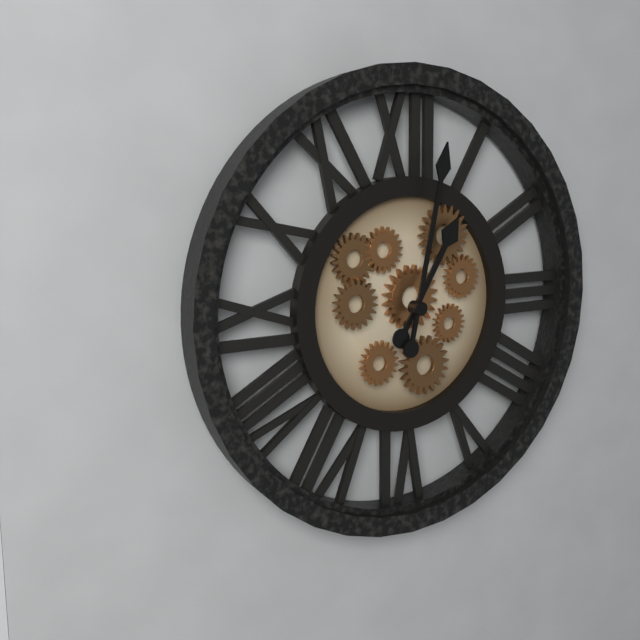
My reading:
h=1 m=2
